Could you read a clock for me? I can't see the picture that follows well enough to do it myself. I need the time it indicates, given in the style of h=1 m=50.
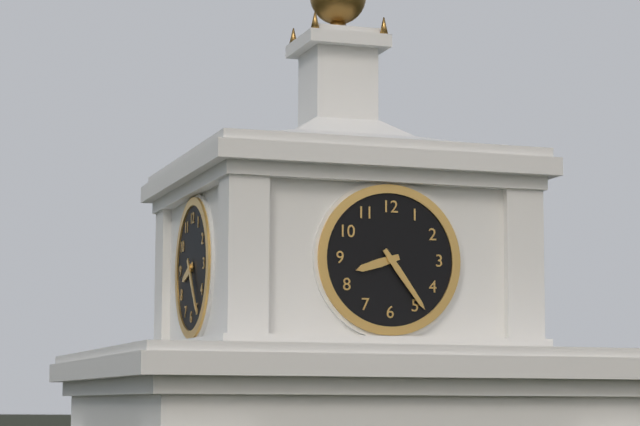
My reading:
h=8 m=24
